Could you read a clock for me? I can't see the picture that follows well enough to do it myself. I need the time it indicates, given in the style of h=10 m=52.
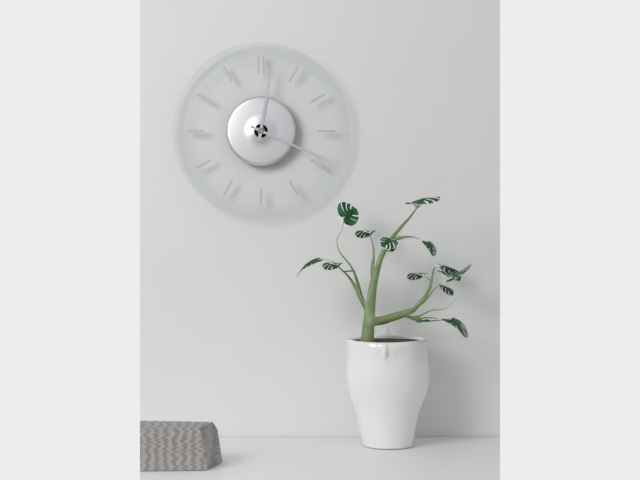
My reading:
h=12 m=19
